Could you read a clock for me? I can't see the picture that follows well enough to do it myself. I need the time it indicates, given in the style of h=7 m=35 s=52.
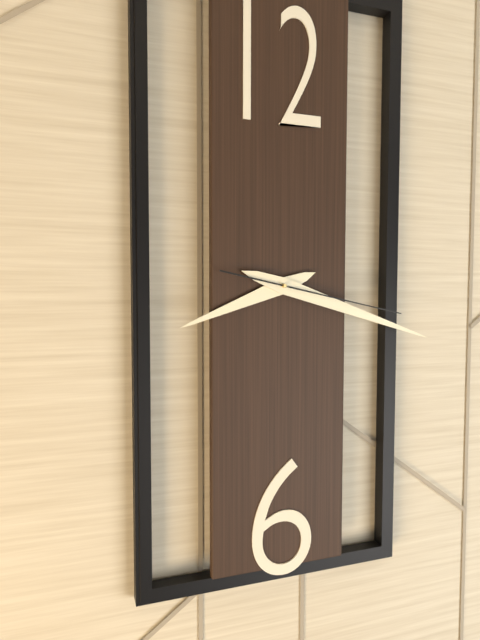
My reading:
h=8 m=18 s=17
